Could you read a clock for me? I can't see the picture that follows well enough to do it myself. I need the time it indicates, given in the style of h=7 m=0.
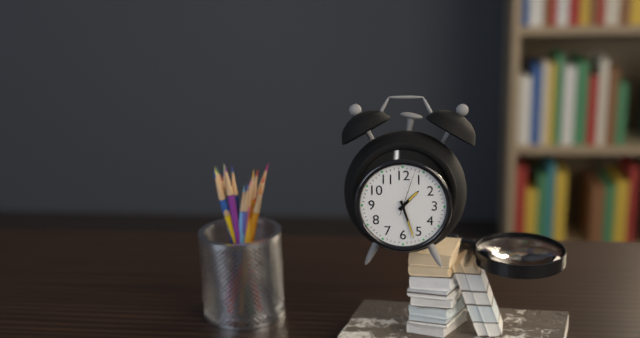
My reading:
h=1 m=27
